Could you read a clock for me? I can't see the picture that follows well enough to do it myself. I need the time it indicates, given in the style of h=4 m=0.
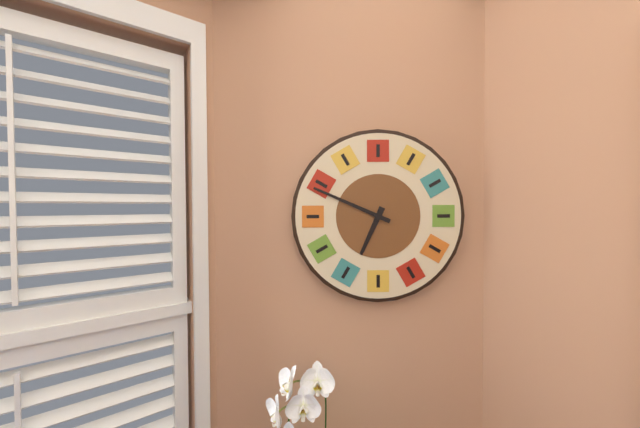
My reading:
h=6 m=49
